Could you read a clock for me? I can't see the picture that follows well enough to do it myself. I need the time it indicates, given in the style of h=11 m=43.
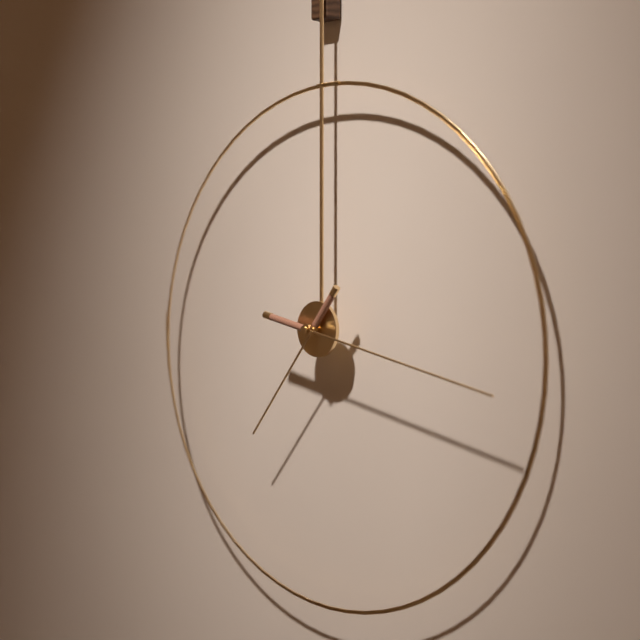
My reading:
h=7 m=17
